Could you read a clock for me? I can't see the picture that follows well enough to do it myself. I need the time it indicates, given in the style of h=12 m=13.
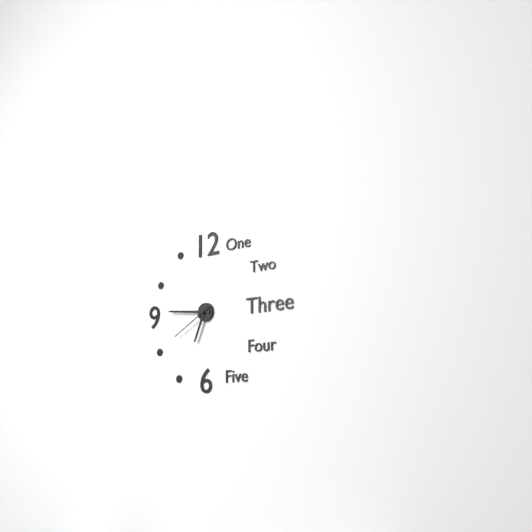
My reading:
h=6 m=46
